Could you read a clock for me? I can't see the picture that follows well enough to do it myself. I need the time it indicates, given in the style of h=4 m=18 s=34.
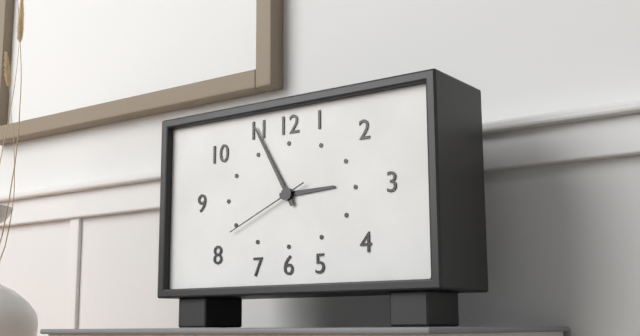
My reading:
h=2 m=55 s=41
